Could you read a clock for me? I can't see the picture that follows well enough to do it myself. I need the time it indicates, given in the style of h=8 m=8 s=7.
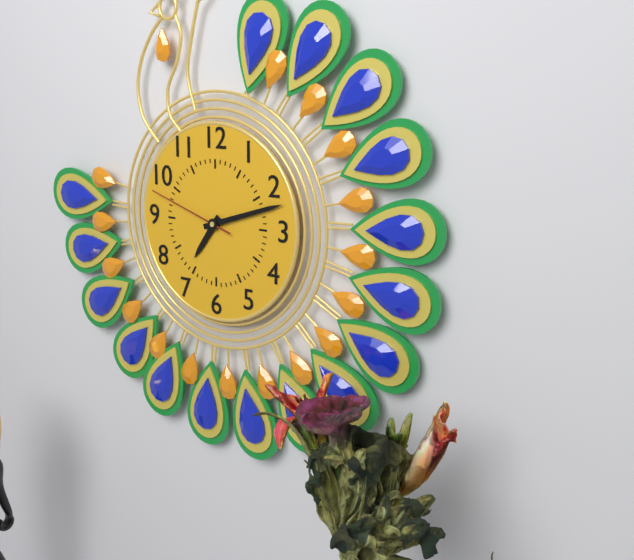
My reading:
h=7 m=12 s=48
